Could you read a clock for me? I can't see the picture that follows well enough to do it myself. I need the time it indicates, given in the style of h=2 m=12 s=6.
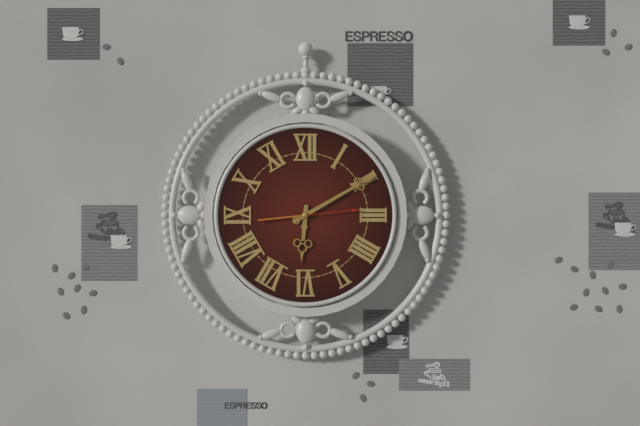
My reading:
h=6 m=10 s=14
